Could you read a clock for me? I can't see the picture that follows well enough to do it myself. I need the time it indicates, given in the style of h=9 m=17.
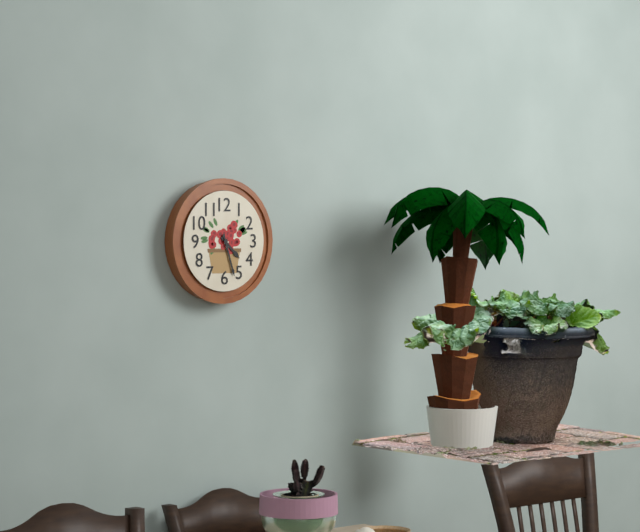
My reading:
h=4 m=27
